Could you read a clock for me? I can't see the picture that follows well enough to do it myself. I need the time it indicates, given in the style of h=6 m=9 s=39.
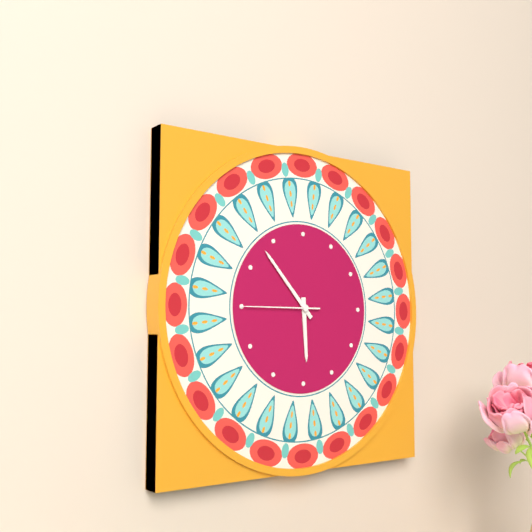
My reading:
h=5 m=53 s=45
